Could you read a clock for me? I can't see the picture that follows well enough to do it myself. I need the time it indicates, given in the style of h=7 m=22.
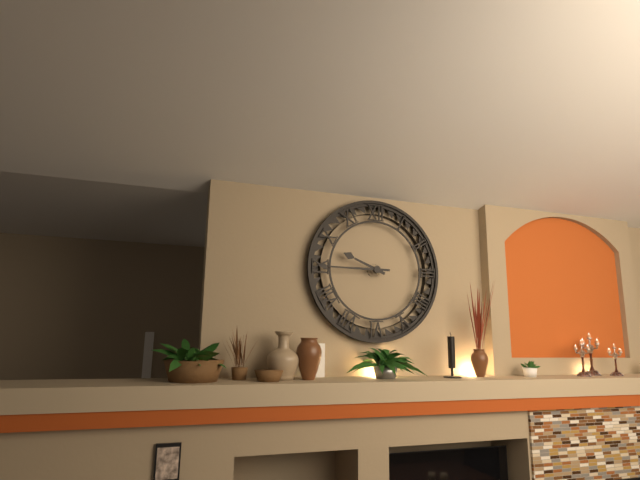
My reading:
h=9 m=45
